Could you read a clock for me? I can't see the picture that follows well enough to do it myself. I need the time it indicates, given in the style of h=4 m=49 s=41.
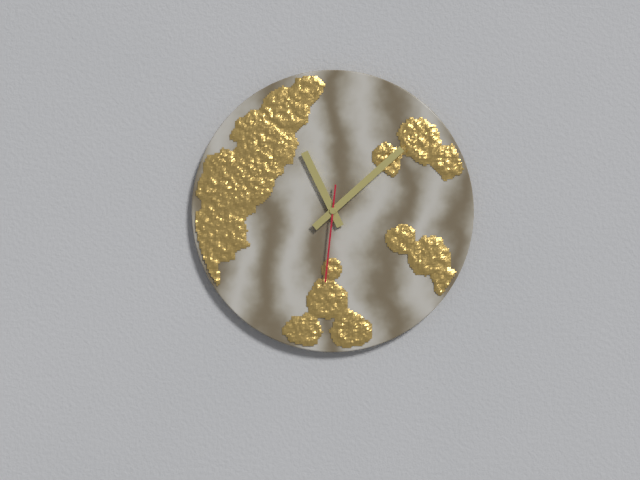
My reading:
h=11 m=8 s=31
